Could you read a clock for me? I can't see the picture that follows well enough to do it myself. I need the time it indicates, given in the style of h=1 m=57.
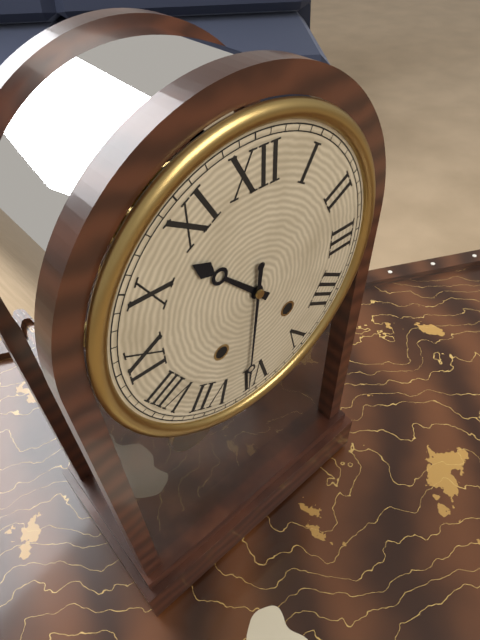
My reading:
h=10 m=31
